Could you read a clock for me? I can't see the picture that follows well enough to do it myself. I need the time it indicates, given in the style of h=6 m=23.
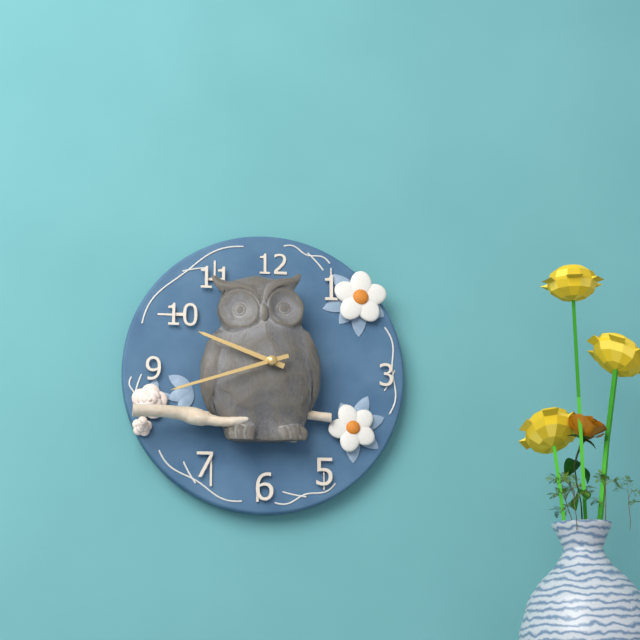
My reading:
h=9 m=42
